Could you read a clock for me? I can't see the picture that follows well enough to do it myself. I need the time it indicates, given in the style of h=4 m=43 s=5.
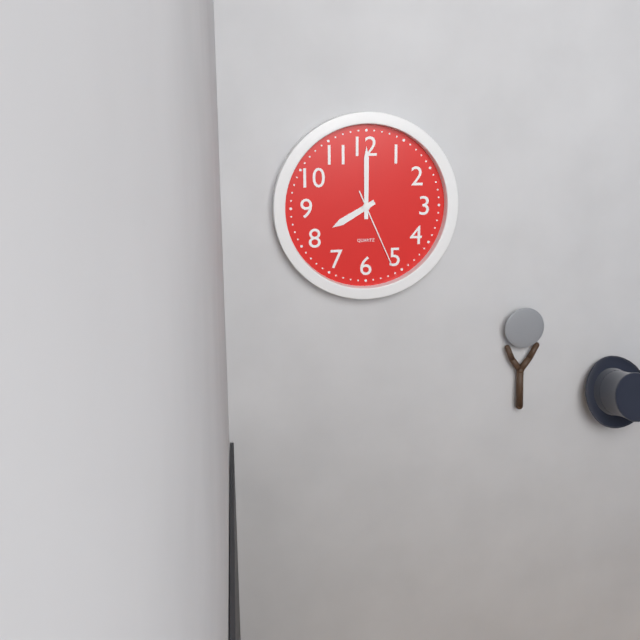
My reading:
h=8 m=0 s=26
